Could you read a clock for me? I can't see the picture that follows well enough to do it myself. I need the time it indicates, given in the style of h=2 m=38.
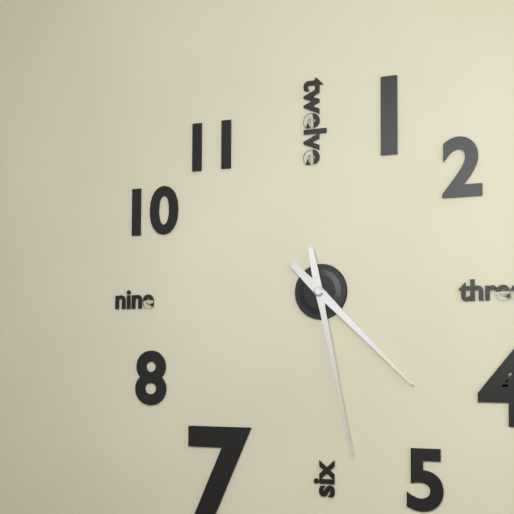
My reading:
h=4 m=28
